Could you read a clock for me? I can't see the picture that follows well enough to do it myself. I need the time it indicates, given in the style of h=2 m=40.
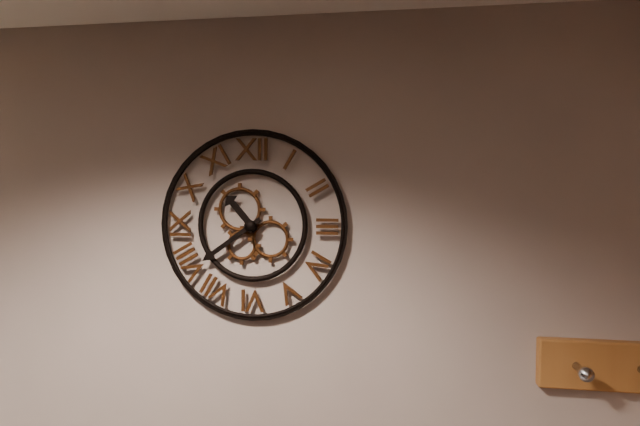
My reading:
h=10 m=39
